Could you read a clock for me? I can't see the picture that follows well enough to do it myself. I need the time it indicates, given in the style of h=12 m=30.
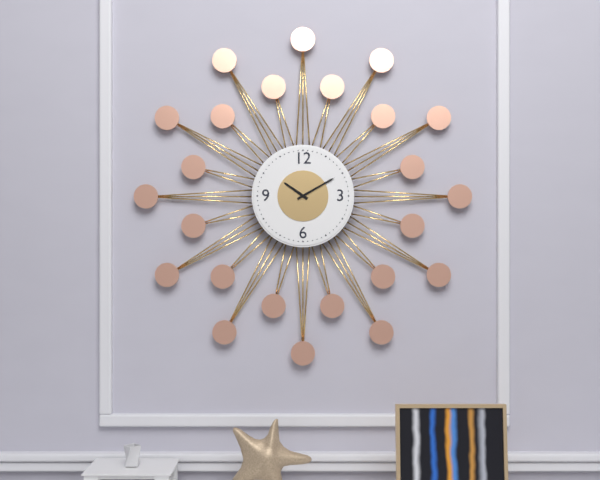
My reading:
h=10 m=10
